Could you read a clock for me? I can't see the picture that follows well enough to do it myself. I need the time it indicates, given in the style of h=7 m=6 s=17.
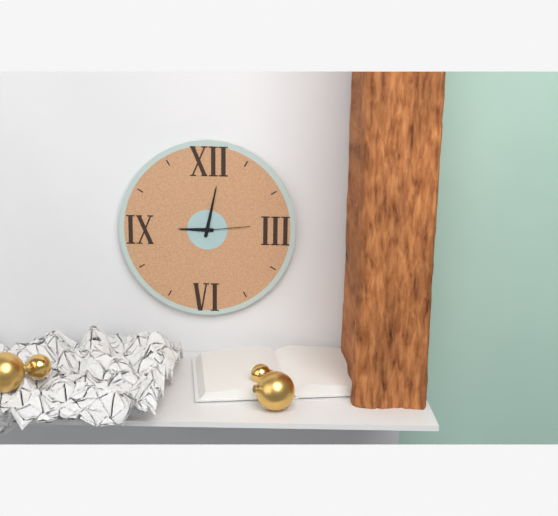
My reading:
h=9 m=2 s=14
